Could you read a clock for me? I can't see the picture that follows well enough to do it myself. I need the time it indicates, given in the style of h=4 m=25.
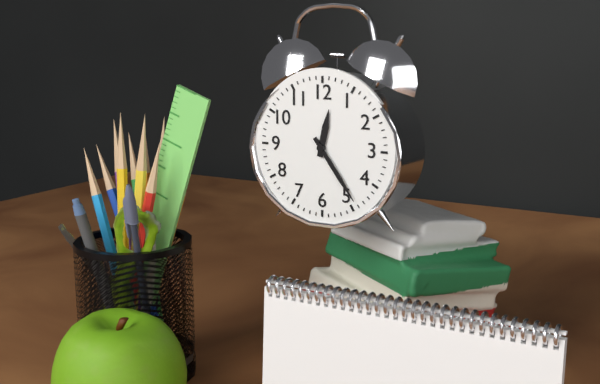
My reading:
h=12 m=24
